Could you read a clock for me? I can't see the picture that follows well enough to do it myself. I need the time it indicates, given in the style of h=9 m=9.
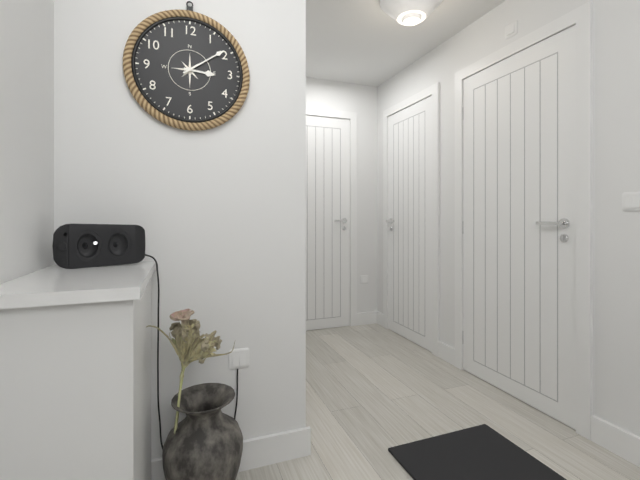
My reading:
h=3 m=9
